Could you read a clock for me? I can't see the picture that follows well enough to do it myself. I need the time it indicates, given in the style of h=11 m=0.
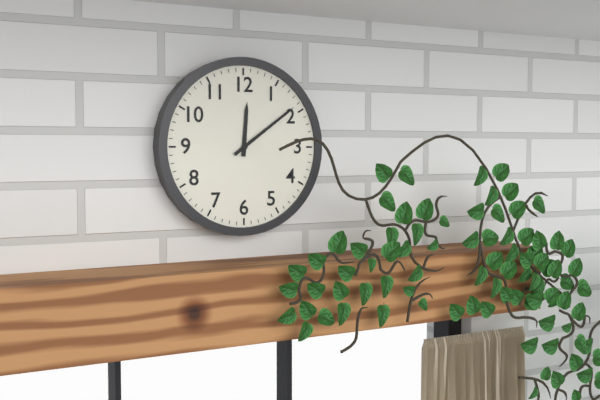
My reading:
h=12 m=9
